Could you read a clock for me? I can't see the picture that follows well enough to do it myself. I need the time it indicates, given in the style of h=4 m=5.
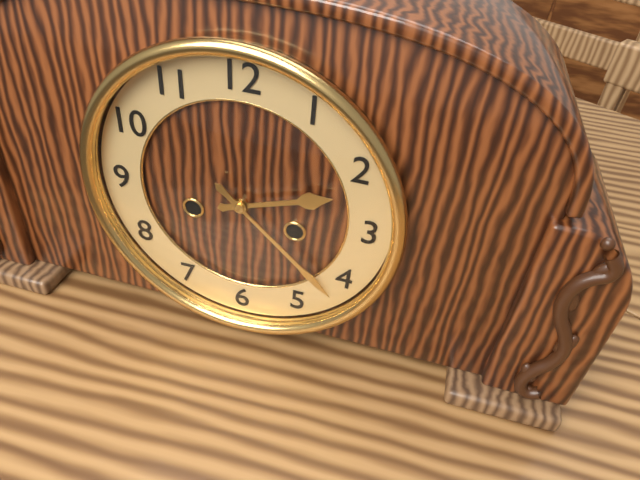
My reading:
h=2 m=22
